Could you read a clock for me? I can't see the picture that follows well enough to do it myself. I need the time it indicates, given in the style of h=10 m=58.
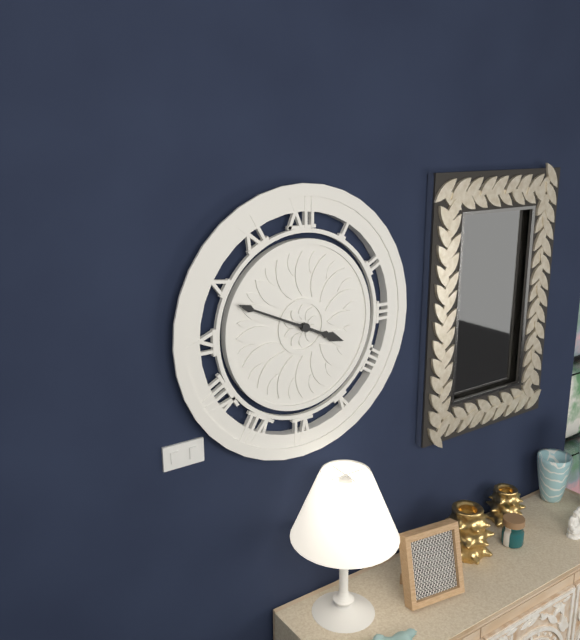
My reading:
h=3 m=49
